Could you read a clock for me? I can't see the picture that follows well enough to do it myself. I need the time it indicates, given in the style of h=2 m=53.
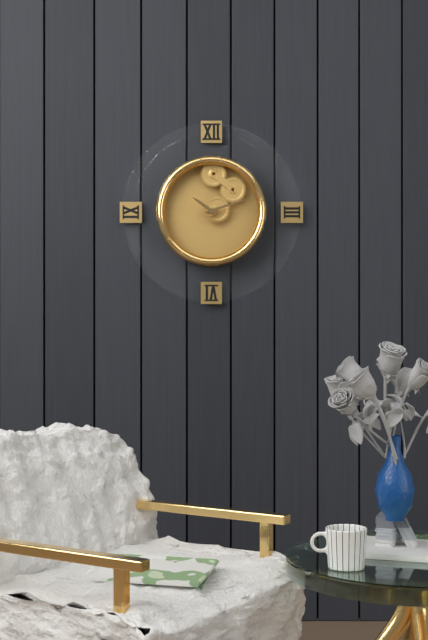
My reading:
h=10 m=12
